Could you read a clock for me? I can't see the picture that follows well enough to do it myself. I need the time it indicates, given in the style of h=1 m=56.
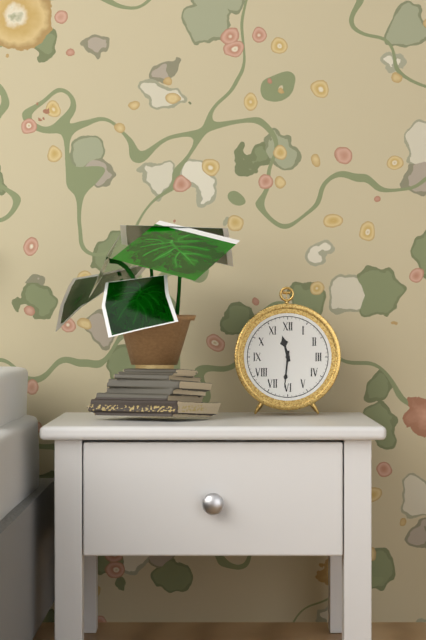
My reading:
h=11 m=31
